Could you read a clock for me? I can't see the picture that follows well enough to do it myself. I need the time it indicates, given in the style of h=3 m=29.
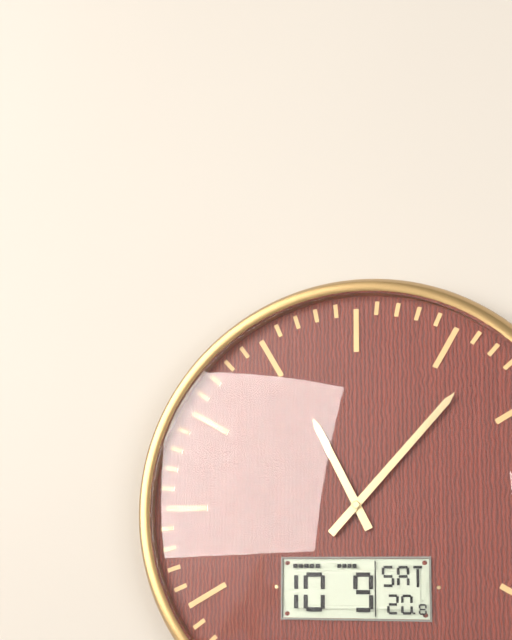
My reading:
h=11 m=7
